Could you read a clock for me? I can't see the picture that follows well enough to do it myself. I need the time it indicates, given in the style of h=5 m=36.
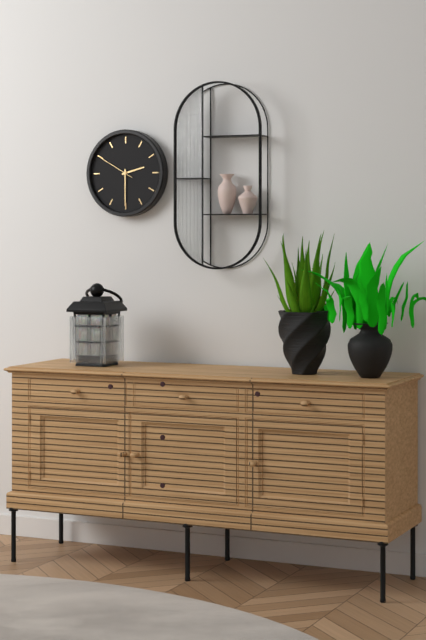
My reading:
h=2 m=30
